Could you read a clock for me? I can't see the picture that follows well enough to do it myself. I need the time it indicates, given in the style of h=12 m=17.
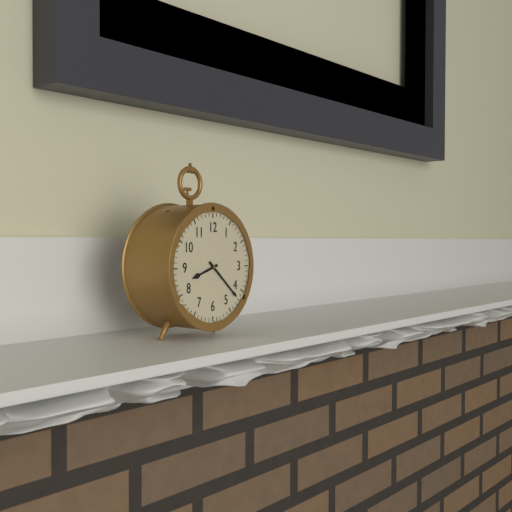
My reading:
h=8 m=22
